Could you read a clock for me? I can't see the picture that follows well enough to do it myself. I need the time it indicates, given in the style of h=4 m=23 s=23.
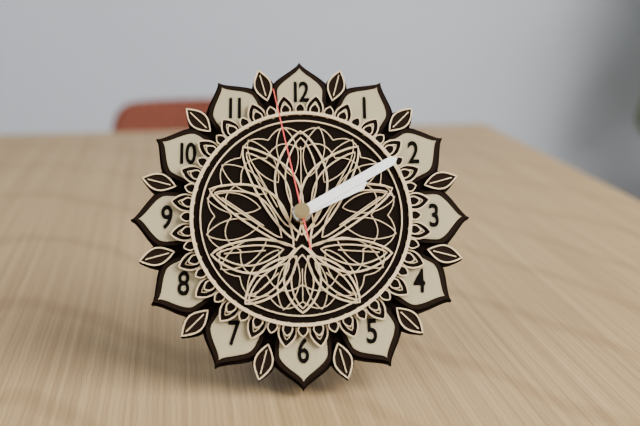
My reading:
h=2 m=10 s=58
